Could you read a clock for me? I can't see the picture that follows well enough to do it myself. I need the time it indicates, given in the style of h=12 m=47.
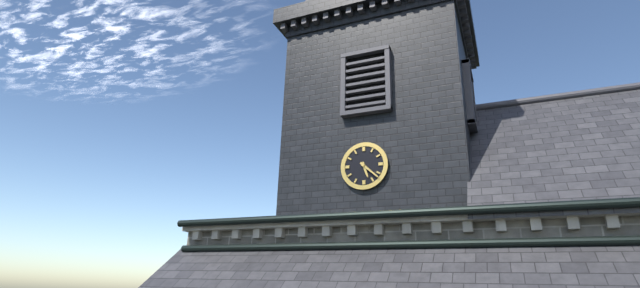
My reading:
h=5 m=22
